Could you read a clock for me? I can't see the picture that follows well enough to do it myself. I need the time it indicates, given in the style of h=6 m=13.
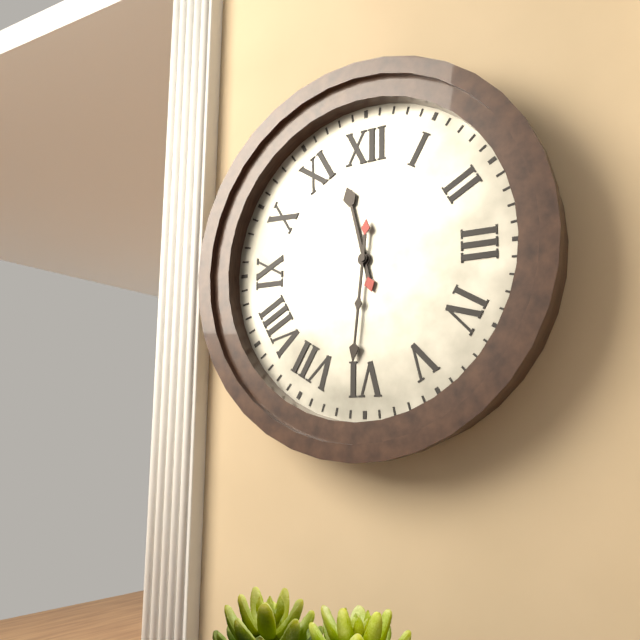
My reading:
h=11 m=31
